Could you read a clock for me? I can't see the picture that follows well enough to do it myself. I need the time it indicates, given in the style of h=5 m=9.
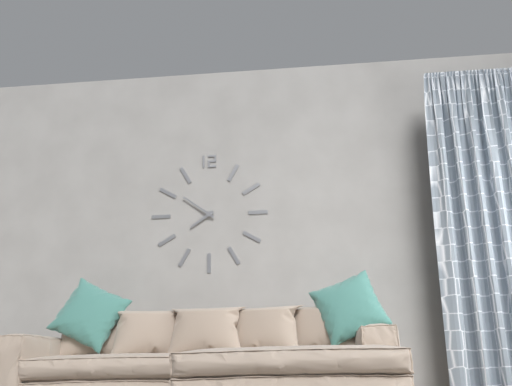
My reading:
h=7 m=51
